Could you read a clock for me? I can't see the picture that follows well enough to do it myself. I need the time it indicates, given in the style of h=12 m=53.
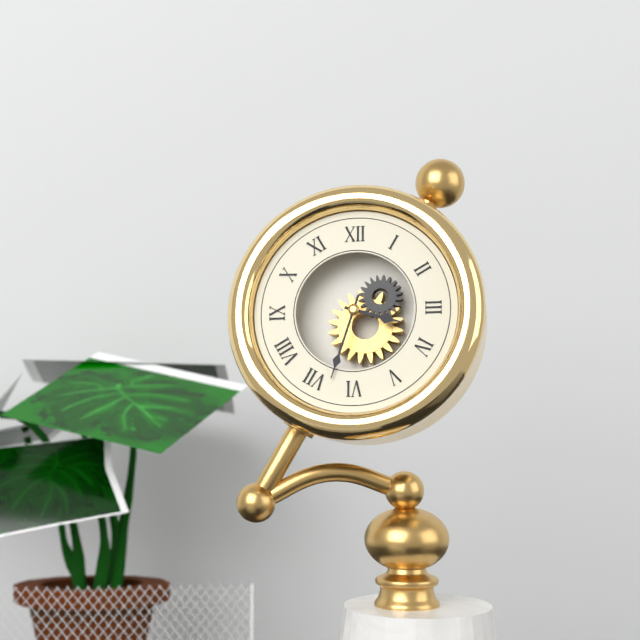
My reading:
h=3 m=33
